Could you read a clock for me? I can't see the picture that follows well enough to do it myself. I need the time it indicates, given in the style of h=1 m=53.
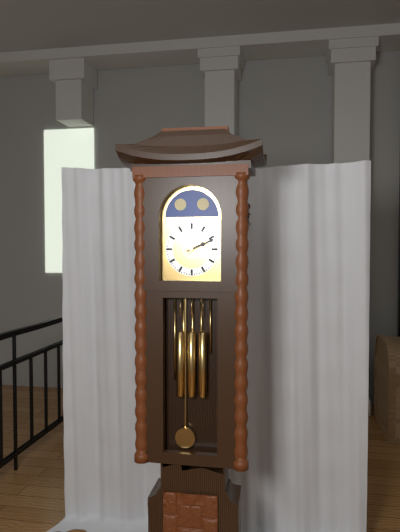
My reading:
h=2 m=11
